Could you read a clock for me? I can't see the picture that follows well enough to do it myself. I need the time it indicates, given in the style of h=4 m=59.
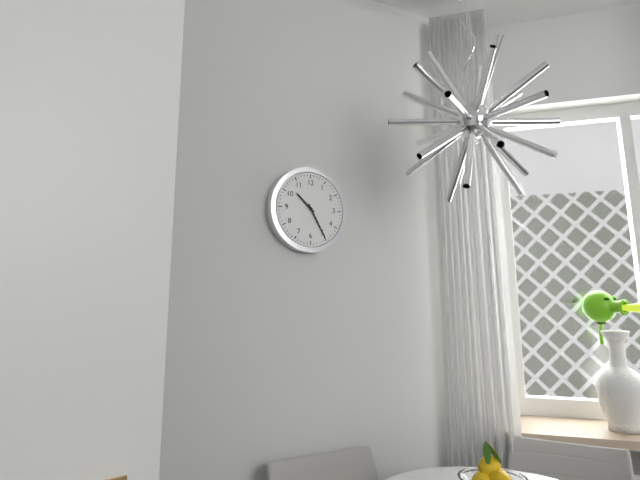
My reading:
h=10 m=25
